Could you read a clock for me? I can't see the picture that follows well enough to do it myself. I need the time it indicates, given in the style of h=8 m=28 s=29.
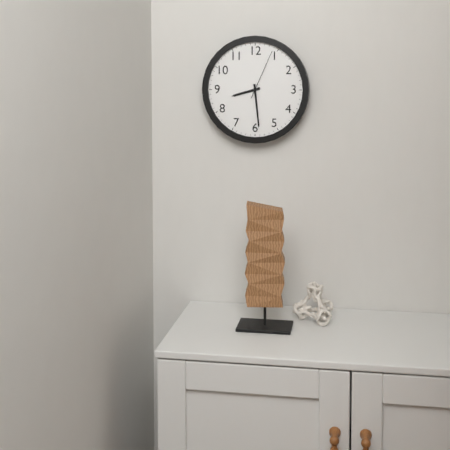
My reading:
h=8 m=29 s=4
